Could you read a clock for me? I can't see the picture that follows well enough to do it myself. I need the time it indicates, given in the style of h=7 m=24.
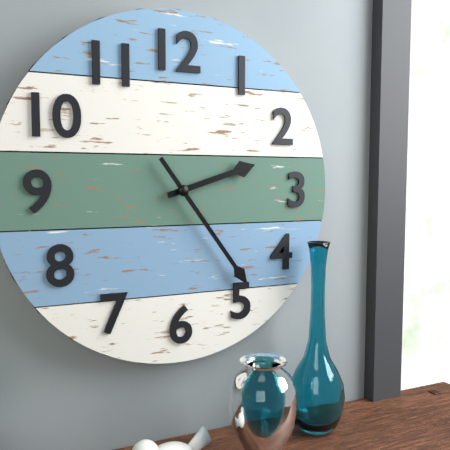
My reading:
h=2 m=24
